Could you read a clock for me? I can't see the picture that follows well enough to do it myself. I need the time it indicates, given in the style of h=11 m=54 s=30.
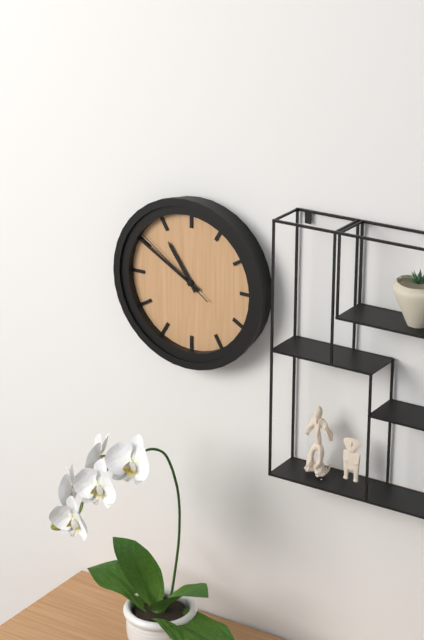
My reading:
h=10 m=50 s=51
